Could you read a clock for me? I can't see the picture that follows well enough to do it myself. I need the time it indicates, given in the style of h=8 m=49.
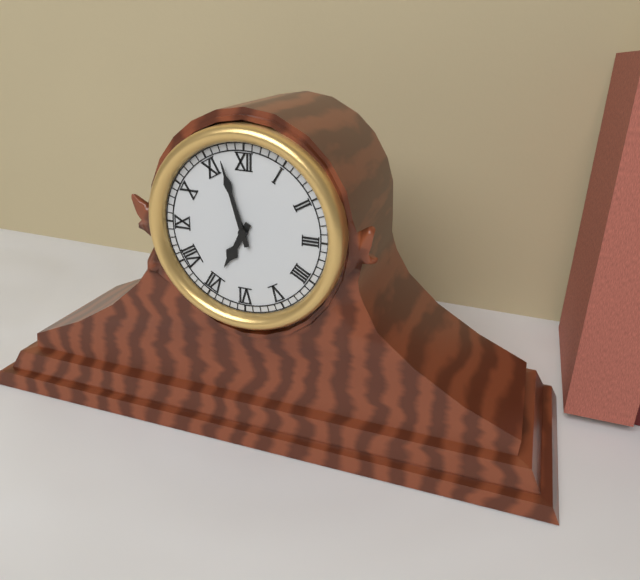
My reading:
h=6 m=57
